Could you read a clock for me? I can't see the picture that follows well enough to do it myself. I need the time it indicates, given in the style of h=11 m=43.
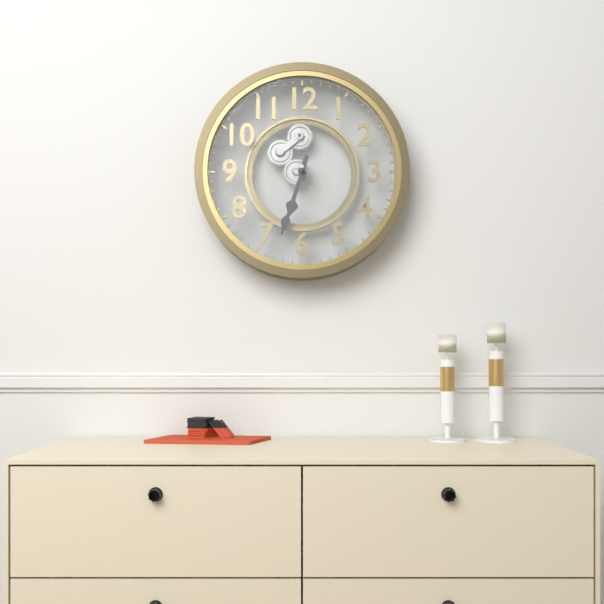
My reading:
h=6 m=33
